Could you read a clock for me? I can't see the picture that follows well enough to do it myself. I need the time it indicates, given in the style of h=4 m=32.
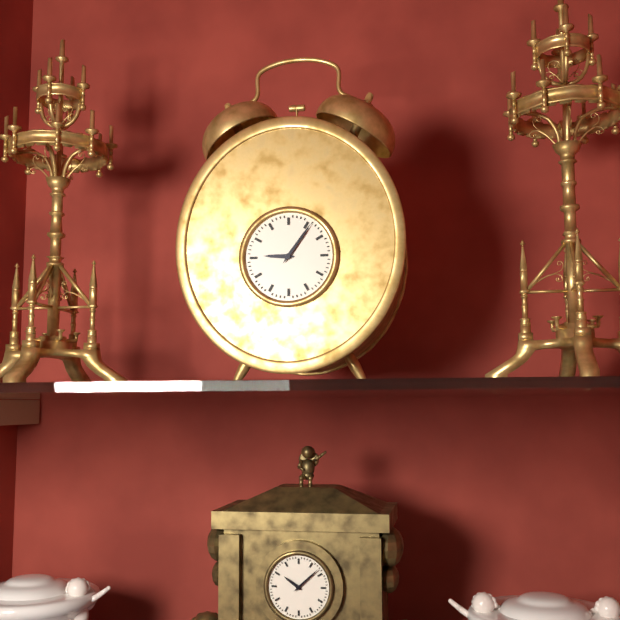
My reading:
h=9 m=6
